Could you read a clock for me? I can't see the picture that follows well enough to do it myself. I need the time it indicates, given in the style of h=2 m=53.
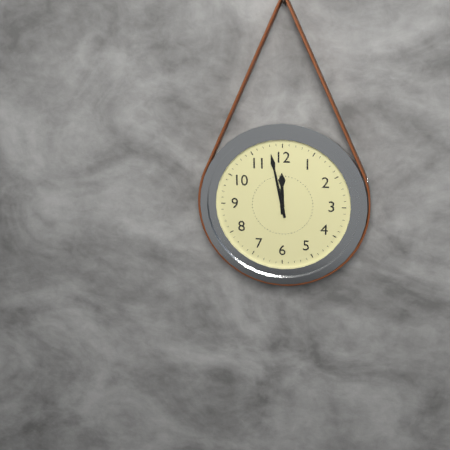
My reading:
h=11 m=58
